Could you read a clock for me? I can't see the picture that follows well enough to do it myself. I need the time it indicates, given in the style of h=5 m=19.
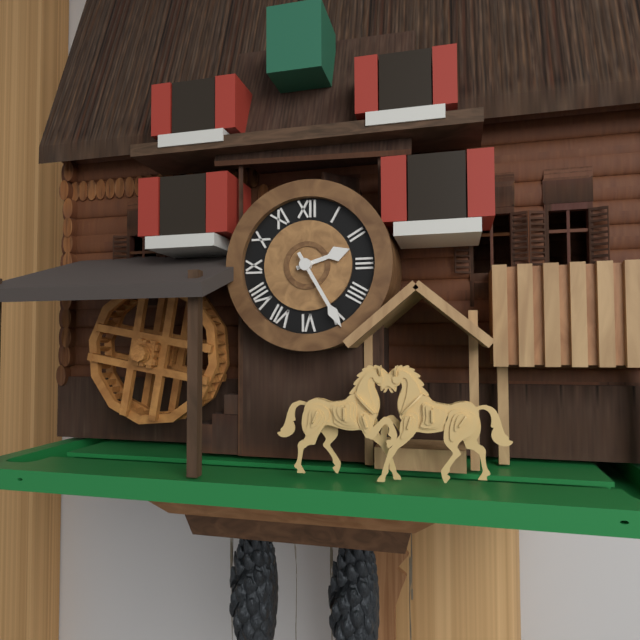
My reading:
h=2 m=25
